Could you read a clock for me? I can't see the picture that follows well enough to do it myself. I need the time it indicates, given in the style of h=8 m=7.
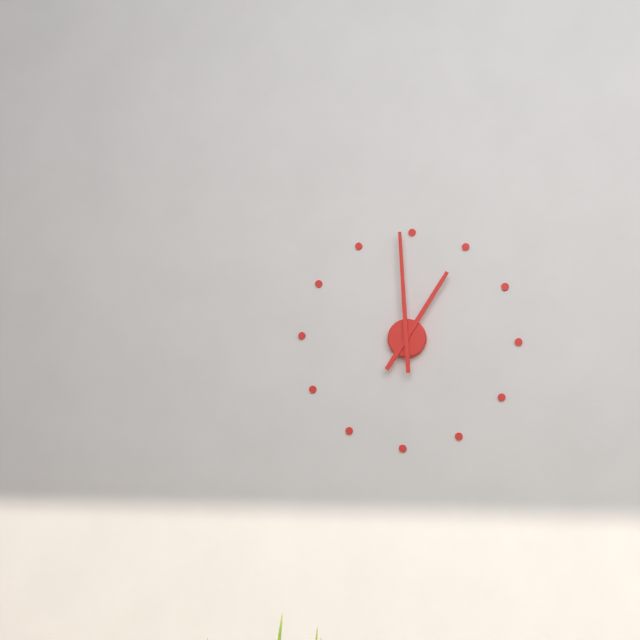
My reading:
h=12 m=59
